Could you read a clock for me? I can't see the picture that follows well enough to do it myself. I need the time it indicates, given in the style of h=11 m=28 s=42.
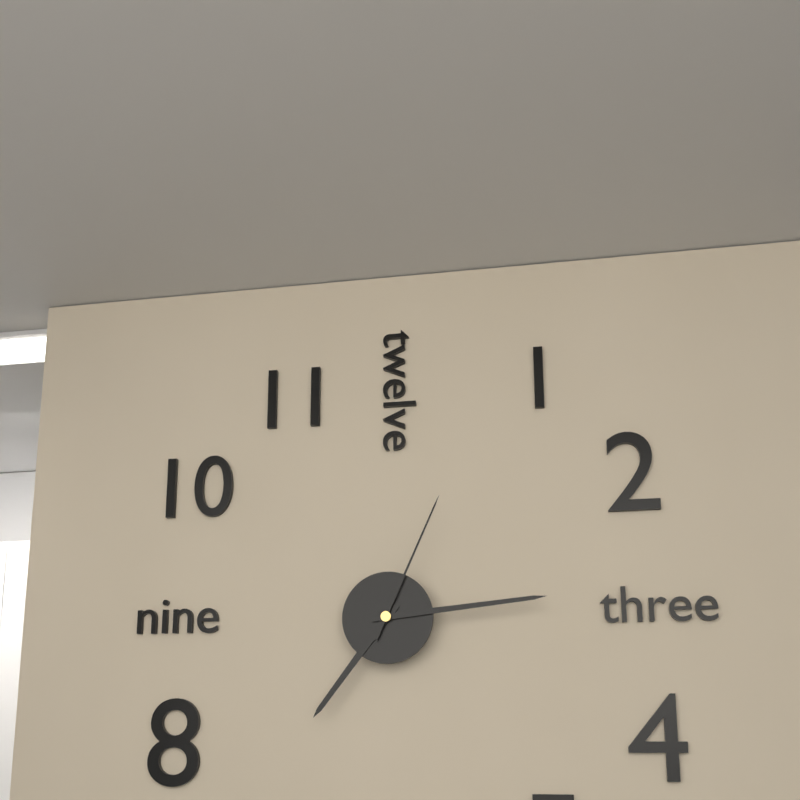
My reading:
h=7 m=14 s=4
